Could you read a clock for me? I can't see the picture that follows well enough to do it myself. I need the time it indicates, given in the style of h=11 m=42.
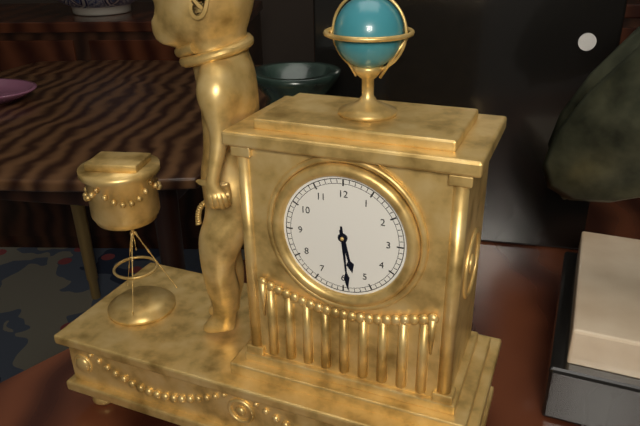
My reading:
h=5 m=29
